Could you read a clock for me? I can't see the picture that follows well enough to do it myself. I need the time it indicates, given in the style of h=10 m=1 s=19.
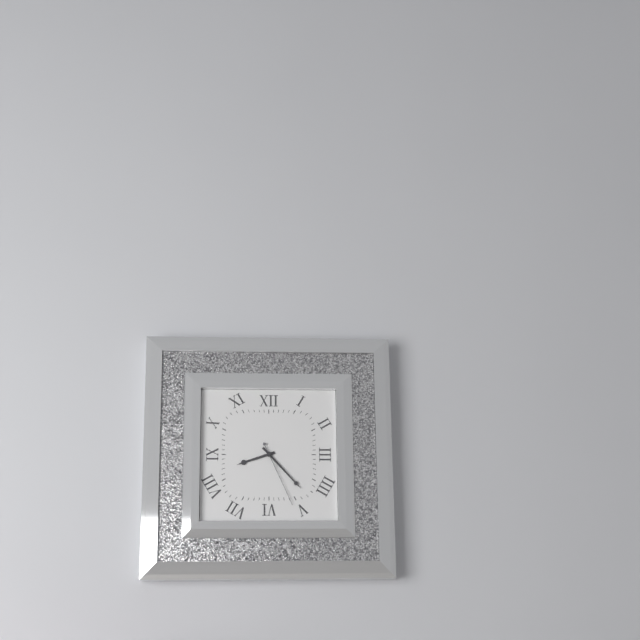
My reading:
h=8 m=23 s=26
